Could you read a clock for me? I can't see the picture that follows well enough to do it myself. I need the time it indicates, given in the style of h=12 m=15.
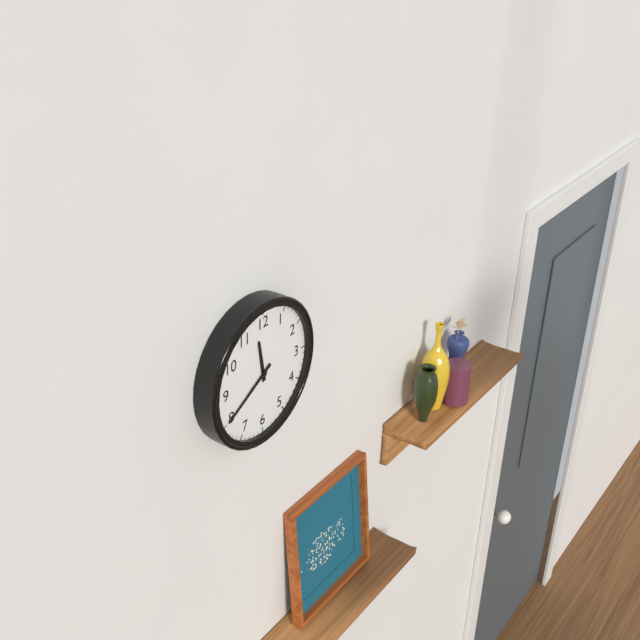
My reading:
h=11 m=40
